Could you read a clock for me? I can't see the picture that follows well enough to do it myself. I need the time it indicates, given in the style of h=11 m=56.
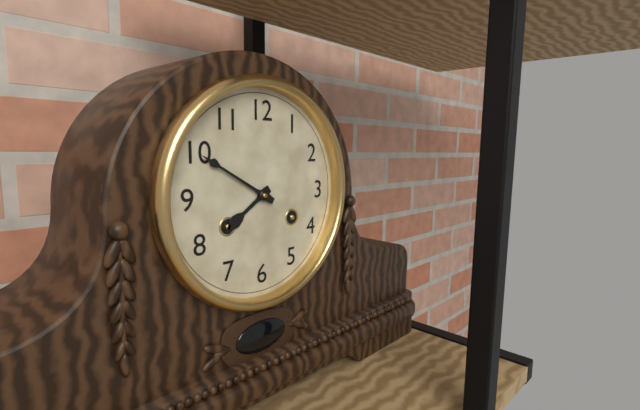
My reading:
h=7 m=50
